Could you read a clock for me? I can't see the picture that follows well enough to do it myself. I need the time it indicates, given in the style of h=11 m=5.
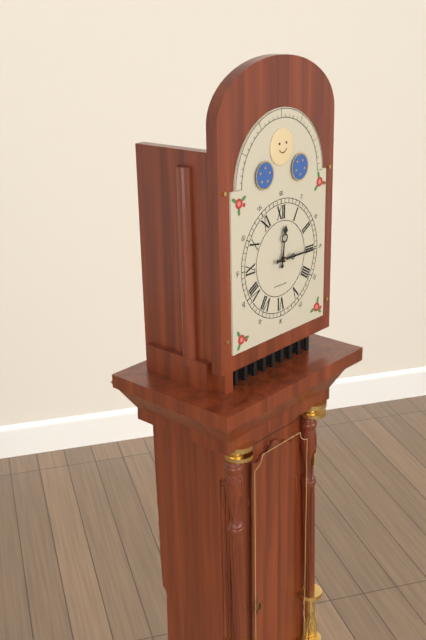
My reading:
h=12 m=15
